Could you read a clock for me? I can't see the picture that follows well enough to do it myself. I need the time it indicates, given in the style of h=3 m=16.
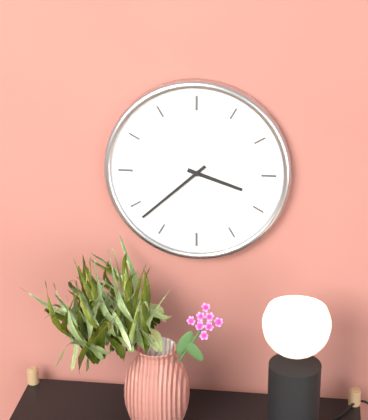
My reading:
h=3 m=38
